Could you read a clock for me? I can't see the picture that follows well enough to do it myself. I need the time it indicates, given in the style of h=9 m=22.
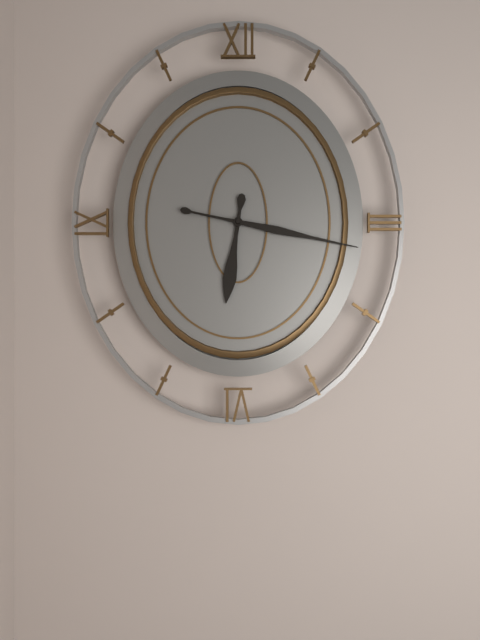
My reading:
h=6 m=17
